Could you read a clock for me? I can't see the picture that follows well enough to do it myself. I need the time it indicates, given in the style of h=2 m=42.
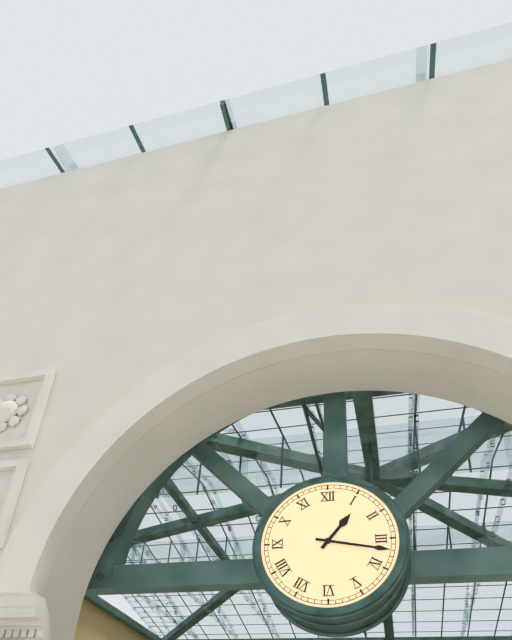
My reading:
h=1 m=17
